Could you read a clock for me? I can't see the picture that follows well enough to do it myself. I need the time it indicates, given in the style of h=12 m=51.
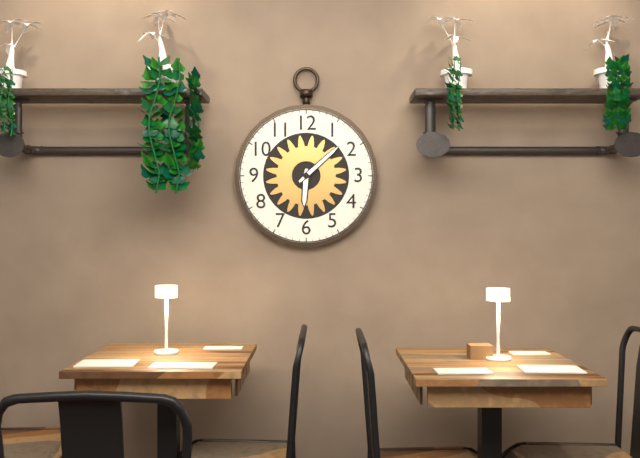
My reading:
h=6 m=8
